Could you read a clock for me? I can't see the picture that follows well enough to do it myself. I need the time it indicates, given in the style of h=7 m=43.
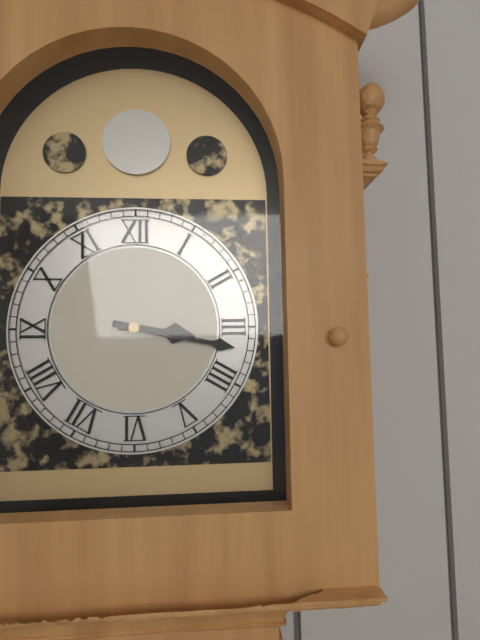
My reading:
h=3 m=17
